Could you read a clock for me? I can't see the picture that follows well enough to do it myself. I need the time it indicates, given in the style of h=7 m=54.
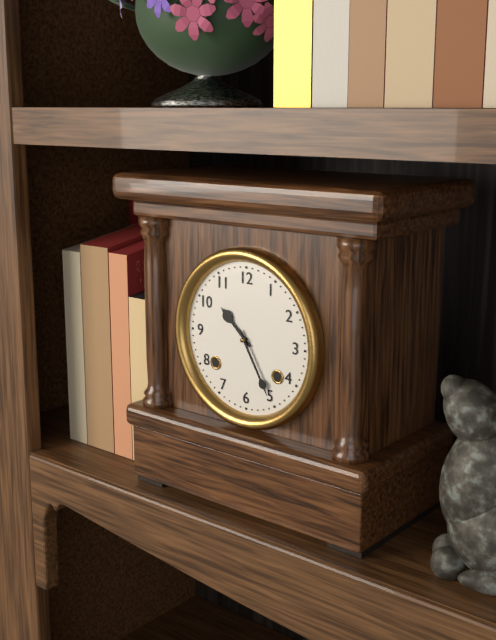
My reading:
h=10 m=25
